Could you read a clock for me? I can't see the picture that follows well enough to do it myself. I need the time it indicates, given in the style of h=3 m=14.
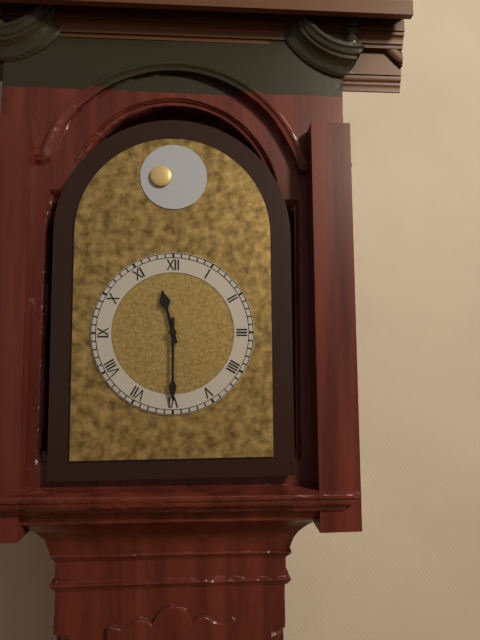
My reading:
h=11 m=30
